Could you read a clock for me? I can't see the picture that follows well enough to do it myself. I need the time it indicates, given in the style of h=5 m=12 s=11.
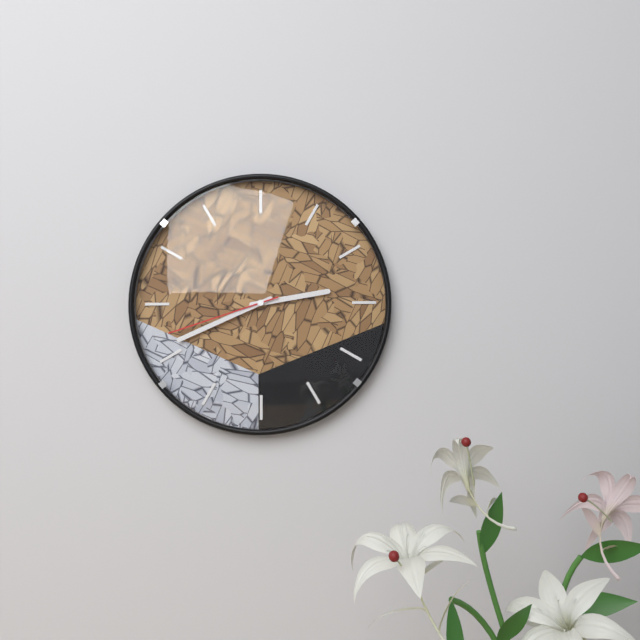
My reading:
h=2 m=41 s=42
